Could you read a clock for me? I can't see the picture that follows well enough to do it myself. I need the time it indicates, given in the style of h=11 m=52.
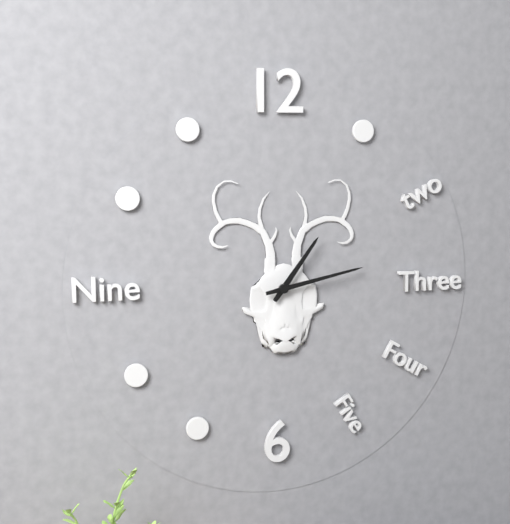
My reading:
h=1 m=13
